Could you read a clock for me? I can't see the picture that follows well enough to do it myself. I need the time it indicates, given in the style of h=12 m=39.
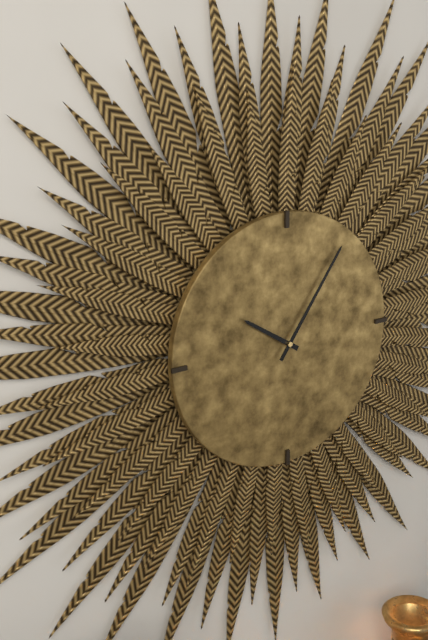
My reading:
h=10 m=6
